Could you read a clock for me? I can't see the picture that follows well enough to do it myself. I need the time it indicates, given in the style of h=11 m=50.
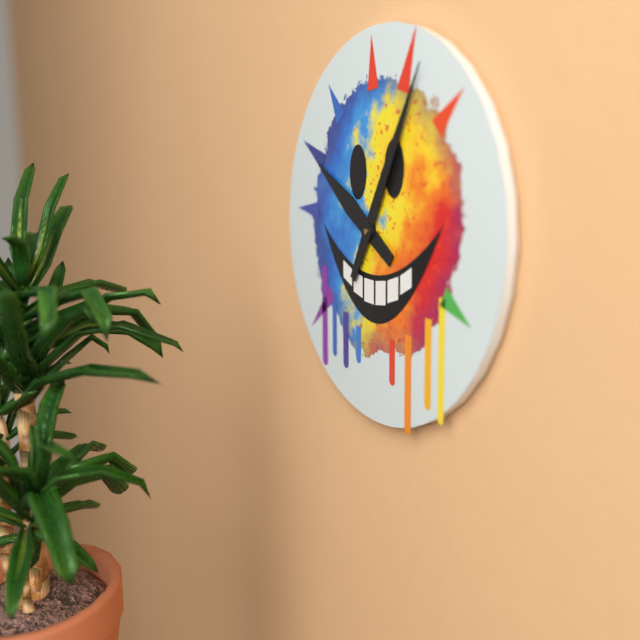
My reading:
h=10 m=5
